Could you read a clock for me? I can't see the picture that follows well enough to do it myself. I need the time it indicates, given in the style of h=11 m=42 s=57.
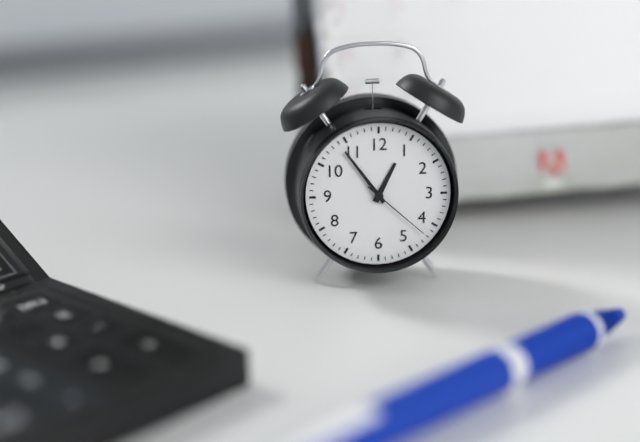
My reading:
h=12 m=54 s=22
